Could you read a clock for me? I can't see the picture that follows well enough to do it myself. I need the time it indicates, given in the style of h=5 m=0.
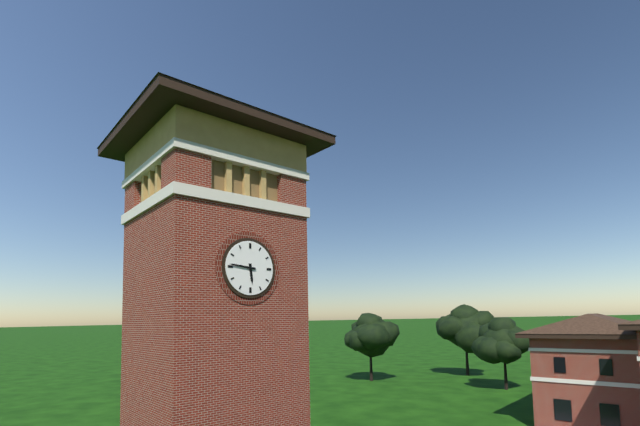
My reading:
h=5 m=46
